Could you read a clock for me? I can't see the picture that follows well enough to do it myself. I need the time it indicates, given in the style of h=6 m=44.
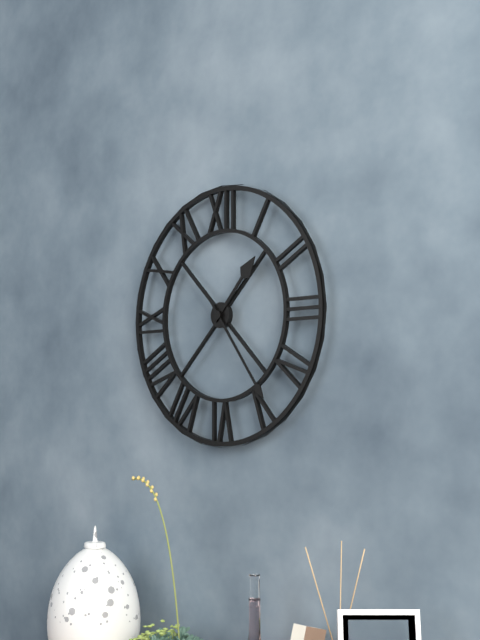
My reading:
h=1 m=24
